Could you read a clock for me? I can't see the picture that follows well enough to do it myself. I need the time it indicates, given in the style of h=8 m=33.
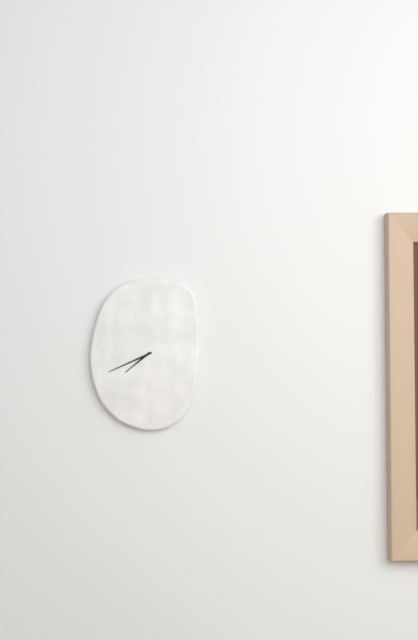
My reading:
h=7 m=41
